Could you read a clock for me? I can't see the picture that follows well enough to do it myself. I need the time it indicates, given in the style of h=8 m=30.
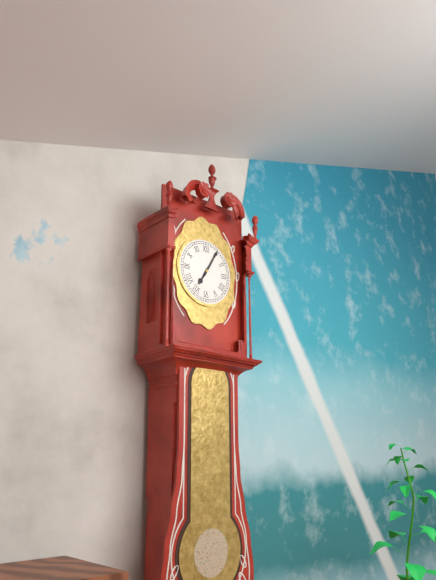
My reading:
h=7 m=5
